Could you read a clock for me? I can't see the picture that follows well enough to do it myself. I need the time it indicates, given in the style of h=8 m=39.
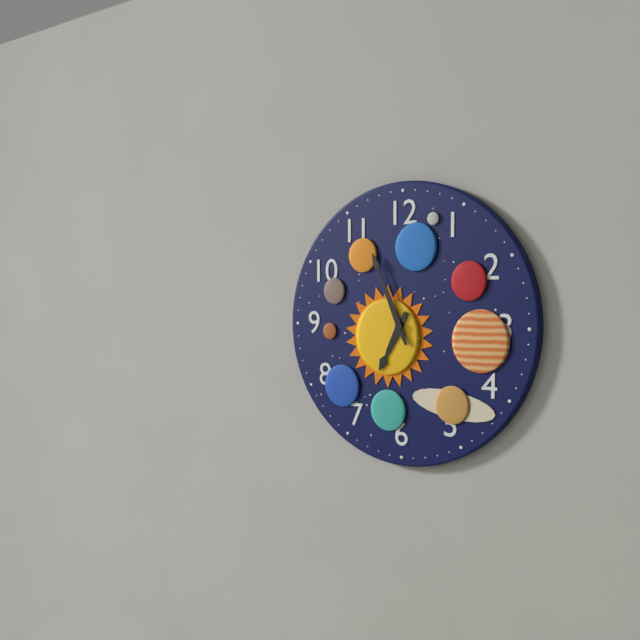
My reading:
h=6 m=56
